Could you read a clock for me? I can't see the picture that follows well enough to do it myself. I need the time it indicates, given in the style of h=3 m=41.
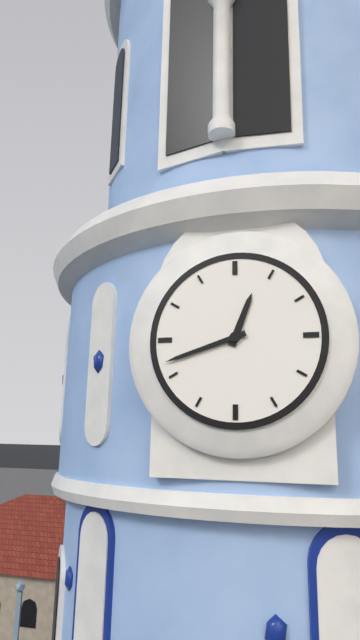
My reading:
h=12 m=42
